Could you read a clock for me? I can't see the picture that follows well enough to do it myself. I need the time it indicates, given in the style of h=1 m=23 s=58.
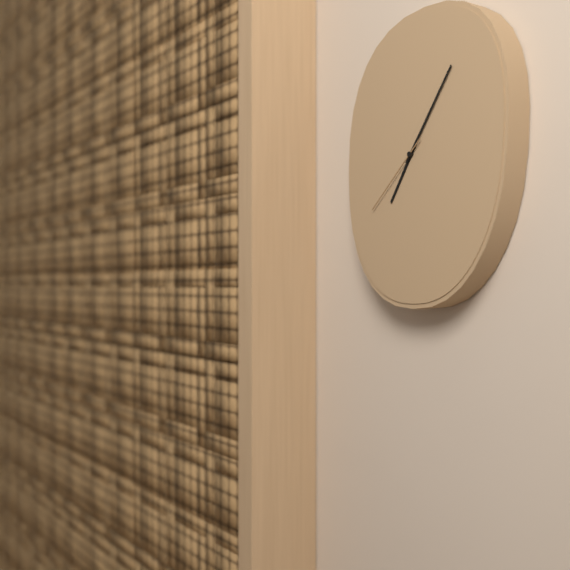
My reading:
h=7 m=6 s=38
